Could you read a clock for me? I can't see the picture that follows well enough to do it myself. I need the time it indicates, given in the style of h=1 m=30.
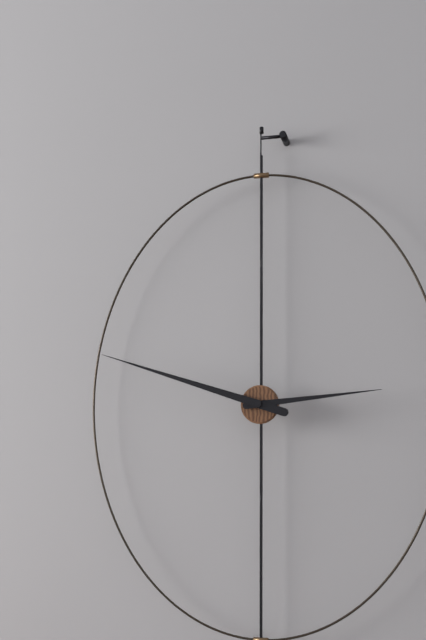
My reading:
h=2 m=48
